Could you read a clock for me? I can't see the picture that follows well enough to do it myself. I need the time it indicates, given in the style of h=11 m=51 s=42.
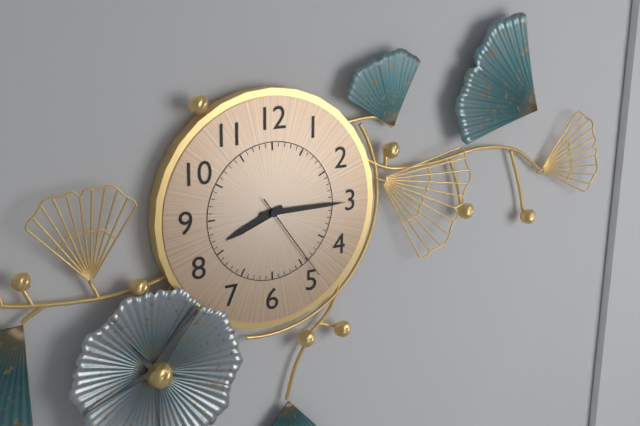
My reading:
h=8 m=15 s=24
